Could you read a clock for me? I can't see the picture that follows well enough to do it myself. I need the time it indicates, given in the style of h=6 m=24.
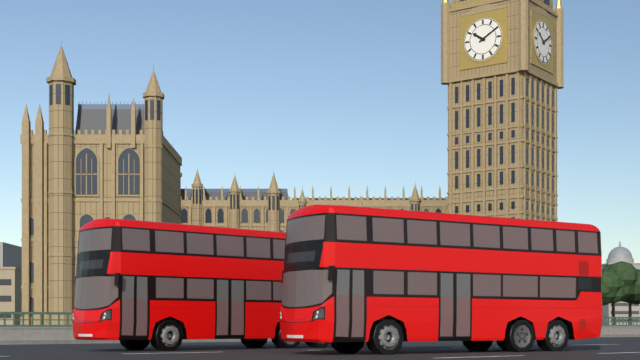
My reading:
h=10 m=10
